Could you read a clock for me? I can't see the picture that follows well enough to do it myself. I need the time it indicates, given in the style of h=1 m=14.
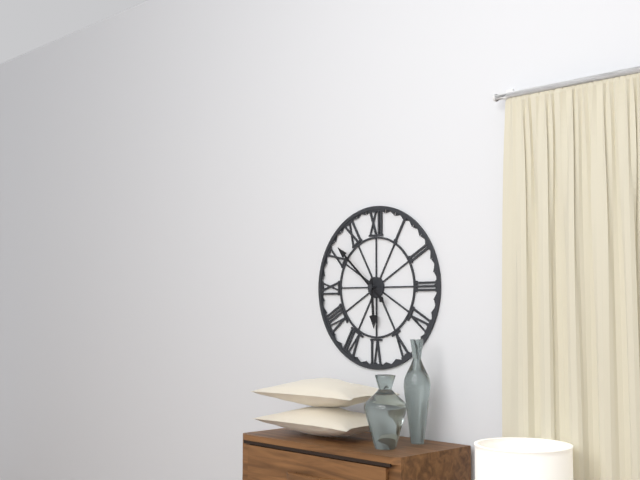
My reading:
h=5 m=52
